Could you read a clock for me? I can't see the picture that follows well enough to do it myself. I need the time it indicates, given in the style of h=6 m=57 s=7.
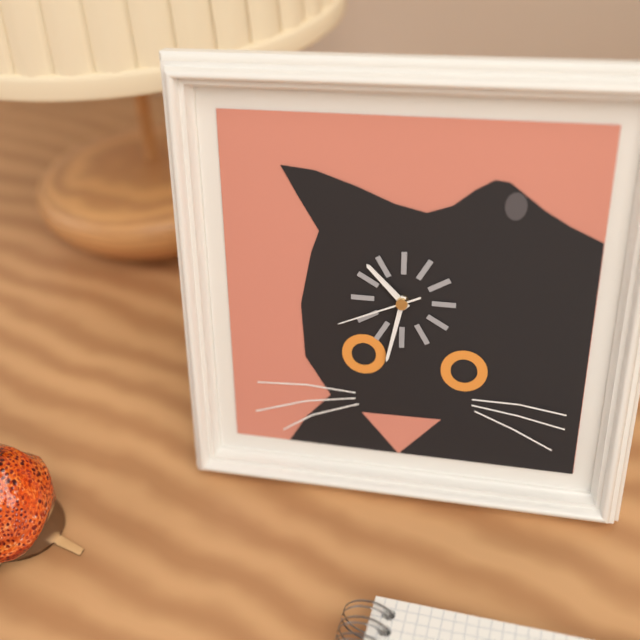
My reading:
h=10 m=32 s=41
